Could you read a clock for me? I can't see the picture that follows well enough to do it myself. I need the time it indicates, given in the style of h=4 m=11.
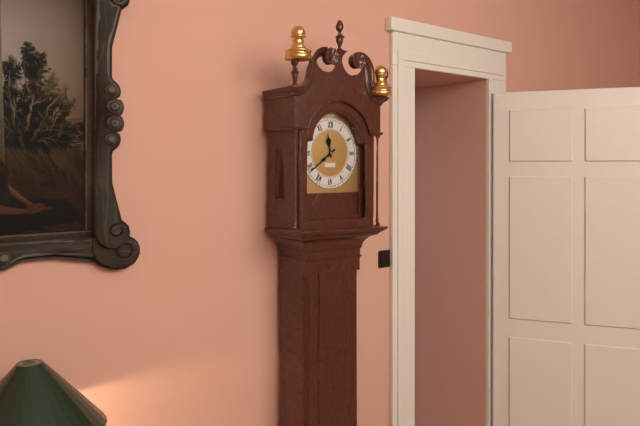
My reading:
h=11 m=39
